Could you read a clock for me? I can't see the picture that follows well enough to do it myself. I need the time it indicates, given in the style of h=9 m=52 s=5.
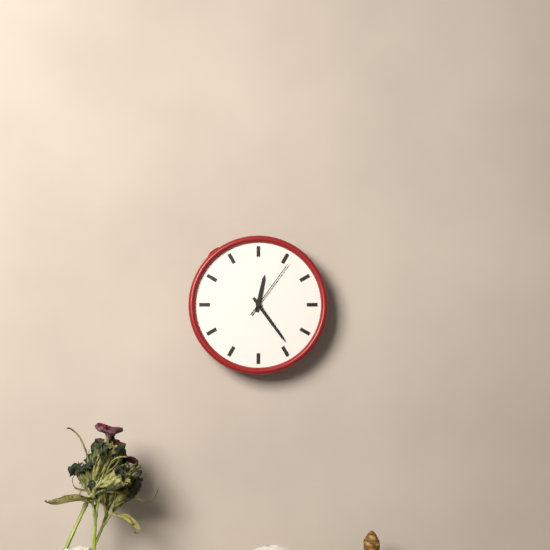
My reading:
h=12 m=24 s=6
